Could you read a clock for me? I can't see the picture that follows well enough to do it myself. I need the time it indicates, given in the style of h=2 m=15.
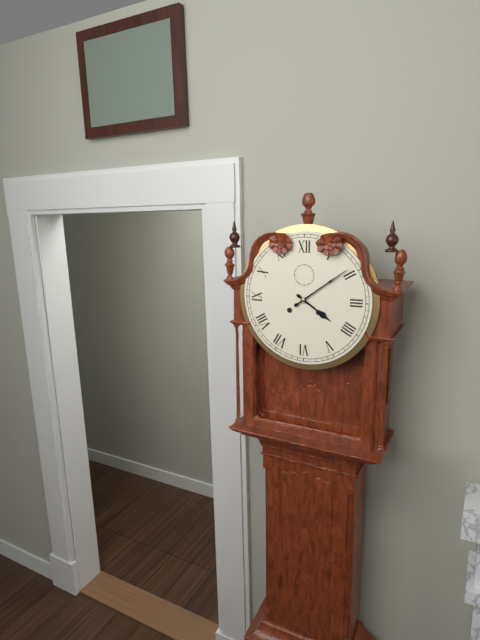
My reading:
h=4 m=9
